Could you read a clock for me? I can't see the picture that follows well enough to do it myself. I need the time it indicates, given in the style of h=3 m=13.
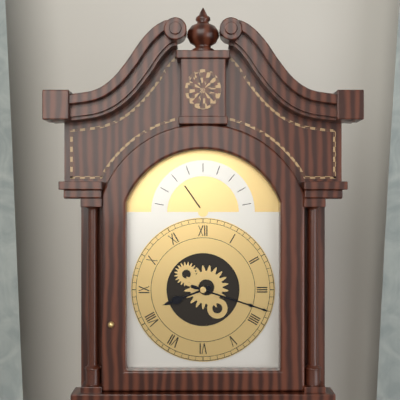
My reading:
h=8 m=18
